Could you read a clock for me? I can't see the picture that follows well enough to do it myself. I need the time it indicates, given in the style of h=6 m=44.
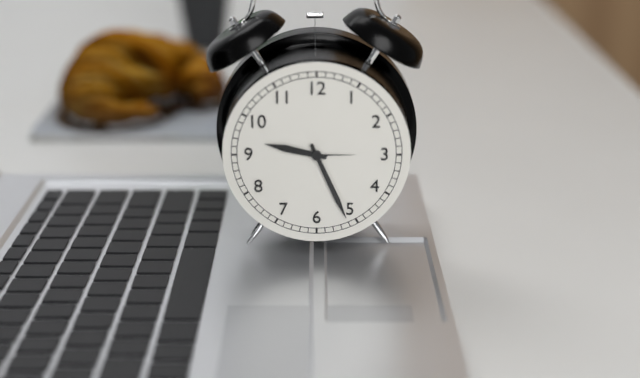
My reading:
h=9 m=26
